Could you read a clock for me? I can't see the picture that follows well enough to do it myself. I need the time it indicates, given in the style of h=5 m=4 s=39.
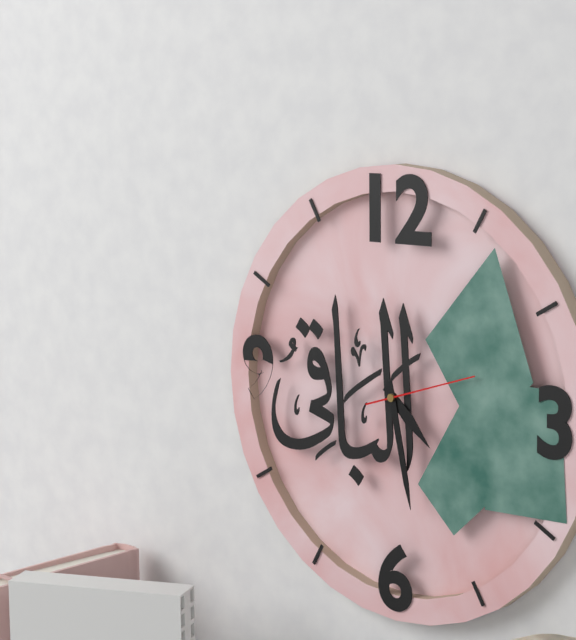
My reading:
h=4 m=28 s=12
